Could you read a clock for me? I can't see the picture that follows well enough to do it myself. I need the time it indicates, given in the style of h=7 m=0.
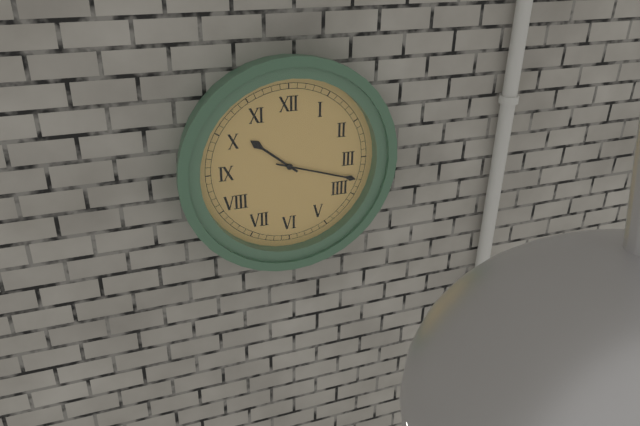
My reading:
h=10 m=18
